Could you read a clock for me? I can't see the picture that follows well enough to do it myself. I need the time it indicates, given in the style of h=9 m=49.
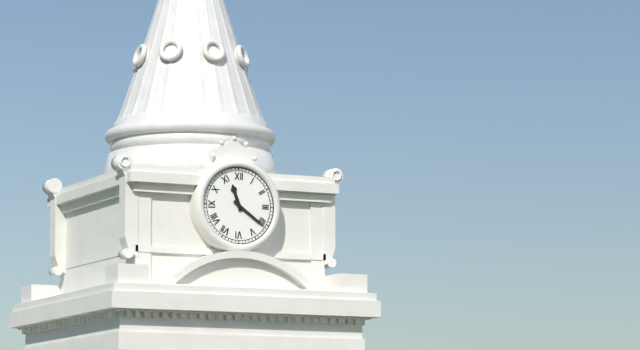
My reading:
h=11 m=21
